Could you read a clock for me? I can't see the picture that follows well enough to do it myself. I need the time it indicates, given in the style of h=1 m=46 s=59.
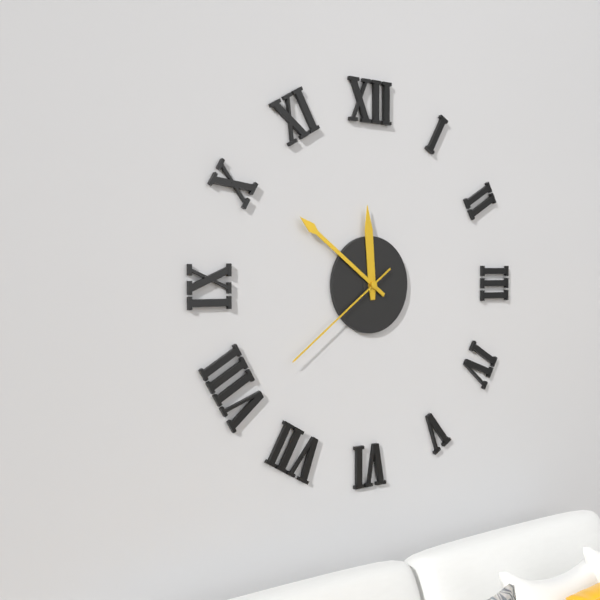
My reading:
h=11 m=51 s=39
